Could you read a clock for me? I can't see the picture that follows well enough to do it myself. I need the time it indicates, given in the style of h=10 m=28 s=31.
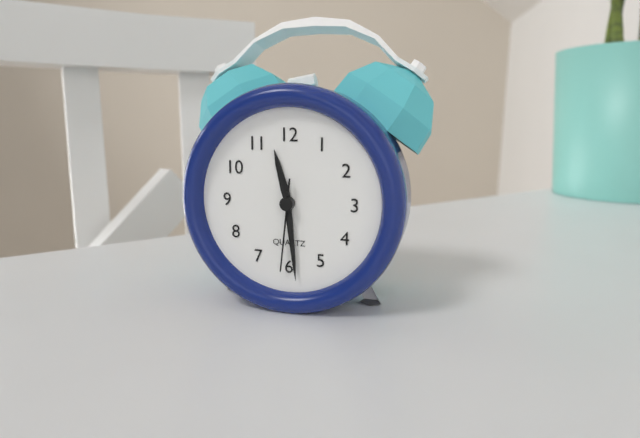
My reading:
h=11 m=29 s=31
